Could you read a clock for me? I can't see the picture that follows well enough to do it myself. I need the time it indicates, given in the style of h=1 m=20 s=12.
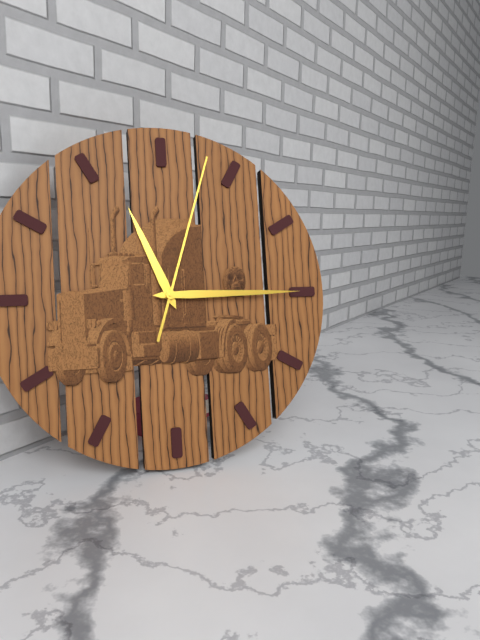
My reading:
h=11 m=15 s=3
